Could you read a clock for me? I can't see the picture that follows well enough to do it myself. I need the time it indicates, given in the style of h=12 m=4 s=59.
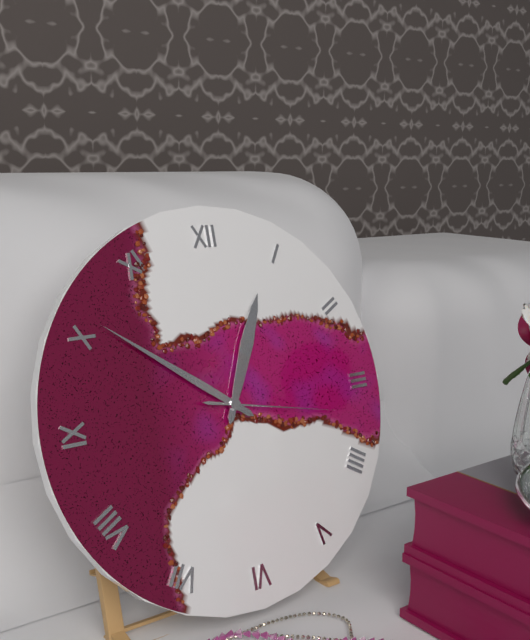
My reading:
h=12 m=51 s=17
